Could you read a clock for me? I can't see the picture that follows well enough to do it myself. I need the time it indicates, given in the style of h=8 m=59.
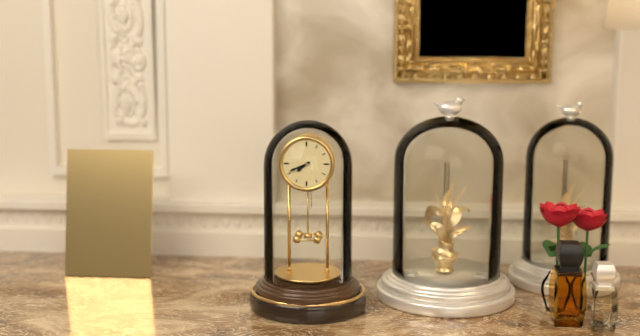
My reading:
h=7 m=41
